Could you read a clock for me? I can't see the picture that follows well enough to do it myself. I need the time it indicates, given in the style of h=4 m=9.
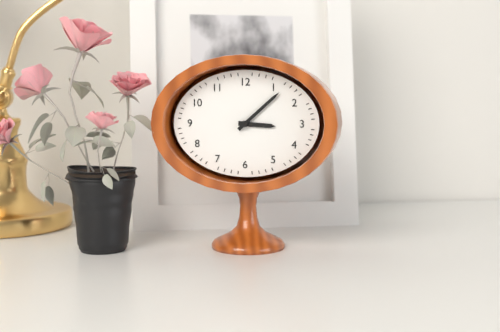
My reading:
h=3 m=8
